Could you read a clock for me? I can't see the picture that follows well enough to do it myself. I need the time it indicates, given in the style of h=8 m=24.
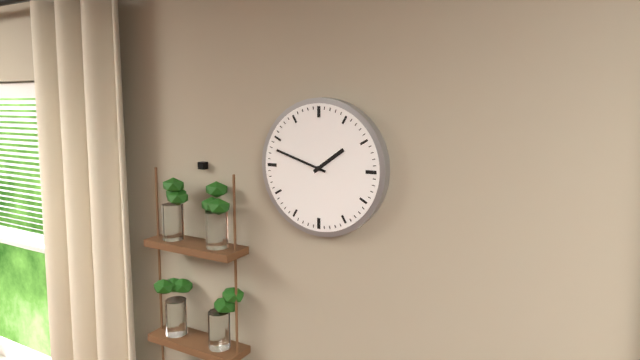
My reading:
h=1 m=48
